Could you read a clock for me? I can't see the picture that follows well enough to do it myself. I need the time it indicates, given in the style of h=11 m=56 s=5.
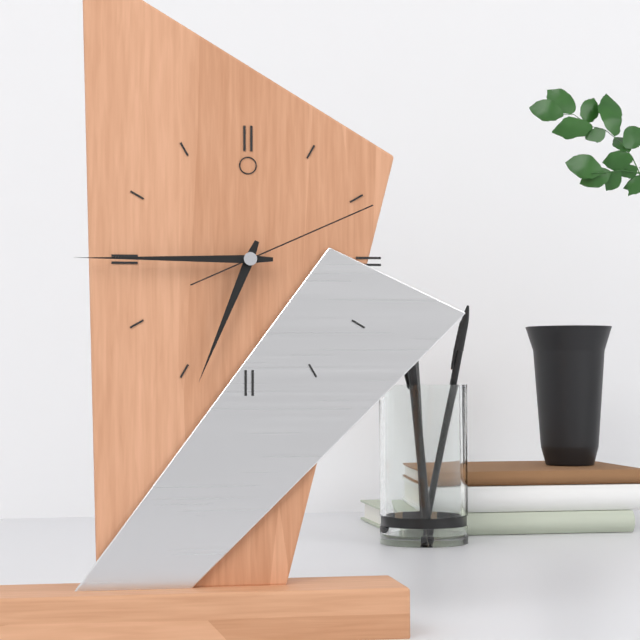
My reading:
h=6 m=45 s=11
